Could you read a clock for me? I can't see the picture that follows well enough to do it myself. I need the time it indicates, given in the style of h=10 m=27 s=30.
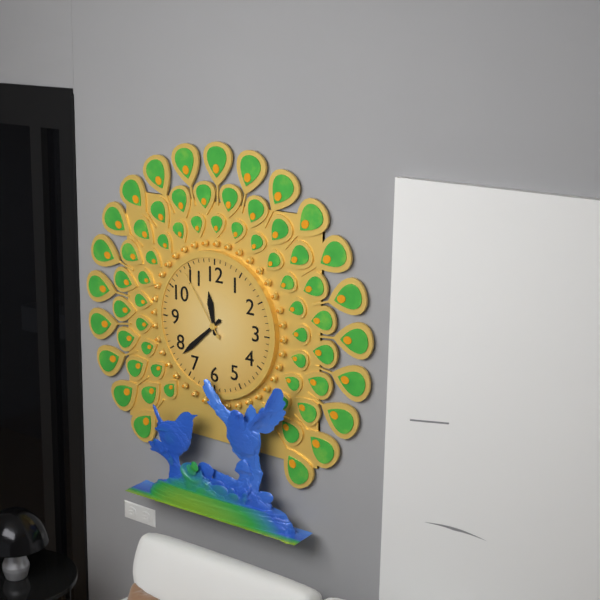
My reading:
h=11 m=38 s=54
